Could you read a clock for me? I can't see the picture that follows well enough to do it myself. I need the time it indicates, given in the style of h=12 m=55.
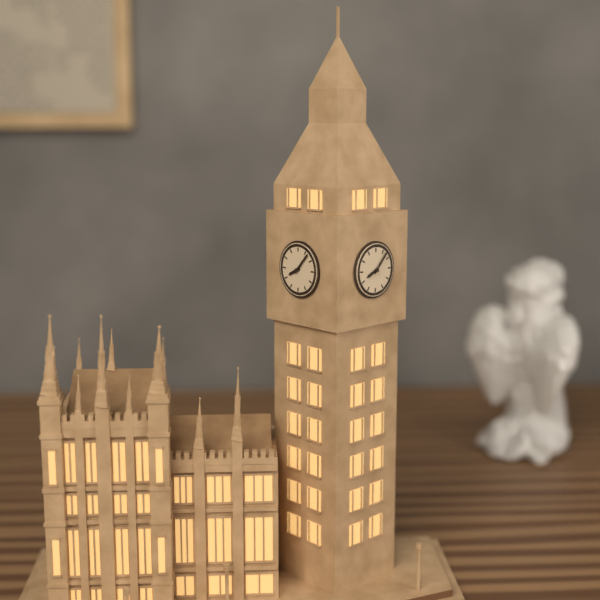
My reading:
h=8 m=7
